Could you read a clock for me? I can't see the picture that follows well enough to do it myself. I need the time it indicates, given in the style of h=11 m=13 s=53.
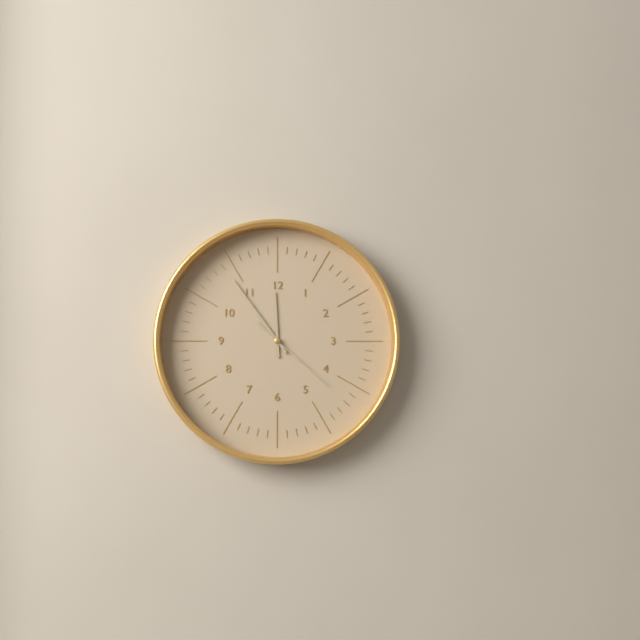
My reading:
h=11 m=54 s=22
